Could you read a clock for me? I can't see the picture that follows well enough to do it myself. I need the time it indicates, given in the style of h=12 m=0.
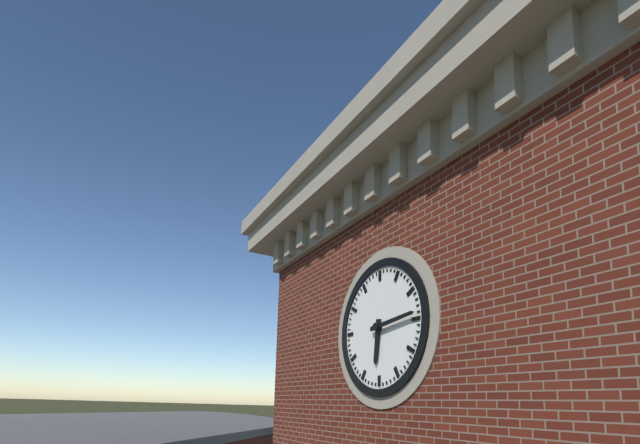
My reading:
h=6 m=14
